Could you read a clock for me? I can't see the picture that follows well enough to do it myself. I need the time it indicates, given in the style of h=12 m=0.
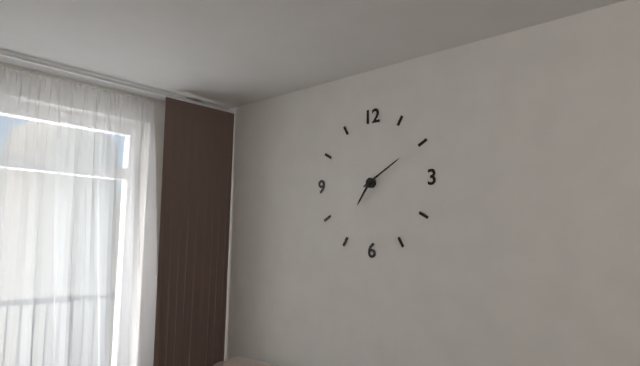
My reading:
h=7 m=10
